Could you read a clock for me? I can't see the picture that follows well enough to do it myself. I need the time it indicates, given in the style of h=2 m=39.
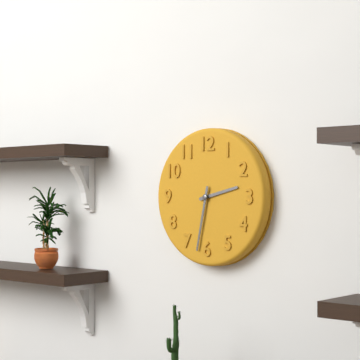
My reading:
h=2 m=32
